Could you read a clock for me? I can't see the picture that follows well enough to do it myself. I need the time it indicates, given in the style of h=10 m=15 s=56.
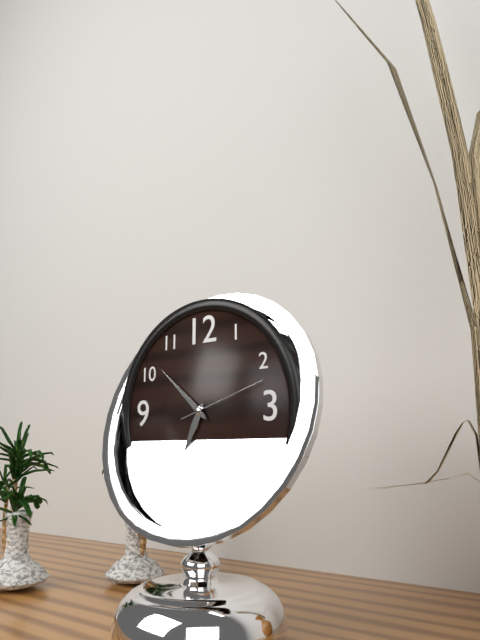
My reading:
h=6 m=52 s=12
